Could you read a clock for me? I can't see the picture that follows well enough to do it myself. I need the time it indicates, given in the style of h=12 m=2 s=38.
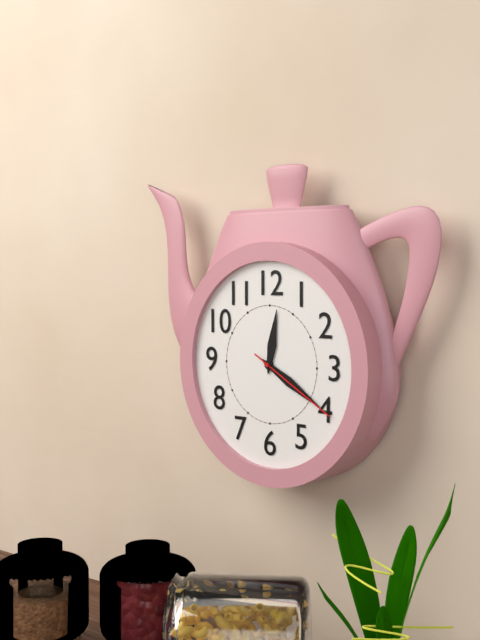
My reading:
h=12 m=20 s=20
